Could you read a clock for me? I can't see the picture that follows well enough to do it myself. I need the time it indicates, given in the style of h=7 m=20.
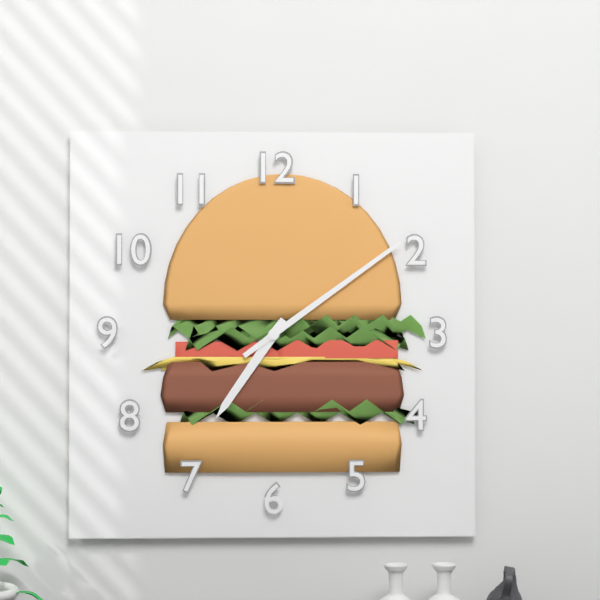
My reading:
h=7 m=9
